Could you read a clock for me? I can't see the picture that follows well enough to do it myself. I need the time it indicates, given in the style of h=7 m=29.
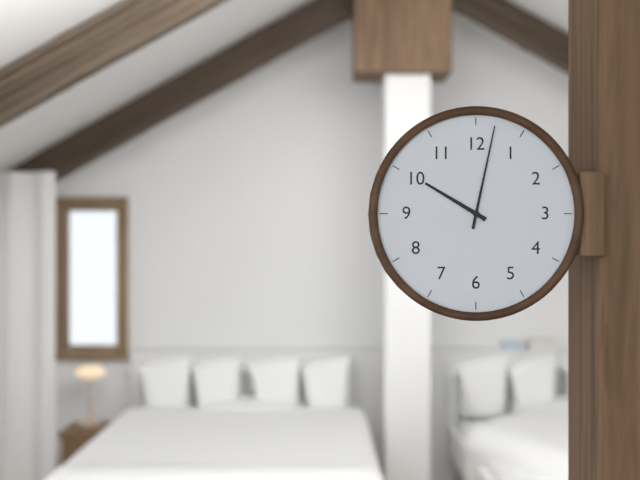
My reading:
h=10 m=2
